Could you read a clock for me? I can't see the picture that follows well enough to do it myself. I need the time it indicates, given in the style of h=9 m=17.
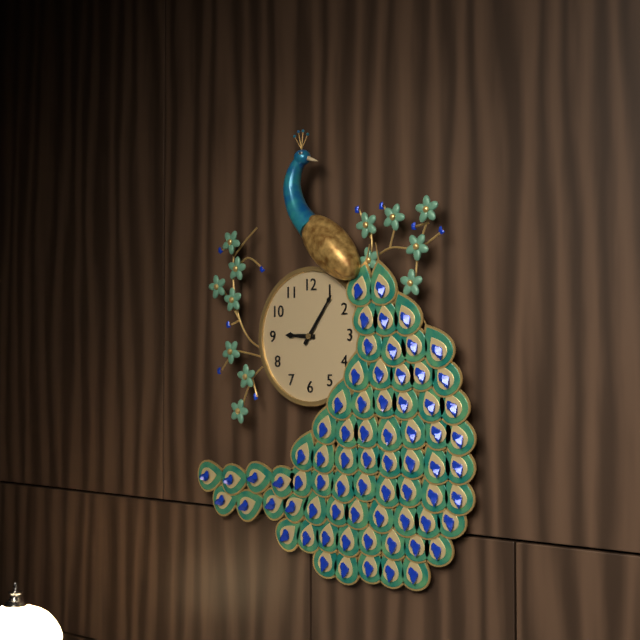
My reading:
h=9 m=6
